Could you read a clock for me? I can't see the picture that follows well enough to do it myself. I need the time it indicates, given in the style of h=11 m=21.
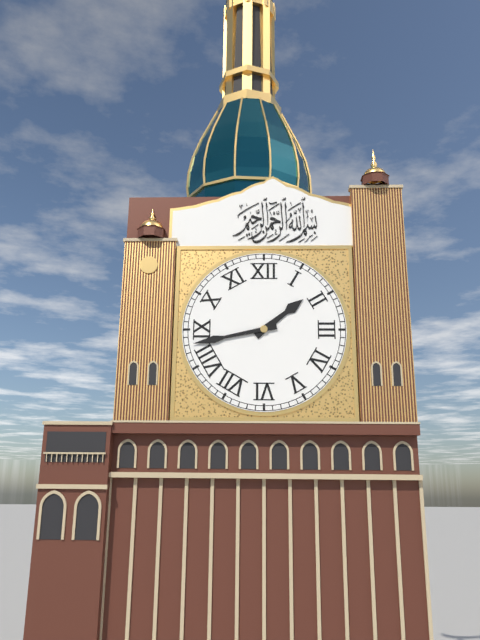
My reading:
h=1 m=43
